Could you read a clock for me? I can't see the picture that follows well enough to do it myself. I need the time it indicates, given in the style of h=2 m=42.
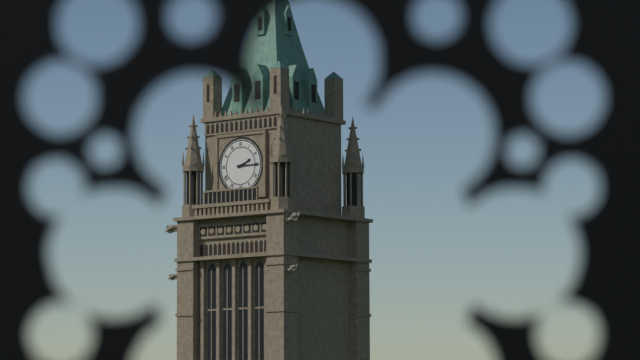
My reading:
h=2 m=15
